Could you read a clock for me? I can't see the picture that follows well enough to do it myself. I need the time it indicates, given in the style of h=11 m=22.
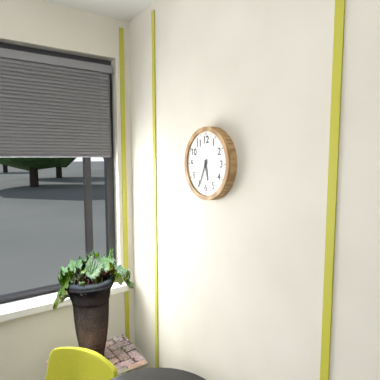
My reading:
h=5 m=34
